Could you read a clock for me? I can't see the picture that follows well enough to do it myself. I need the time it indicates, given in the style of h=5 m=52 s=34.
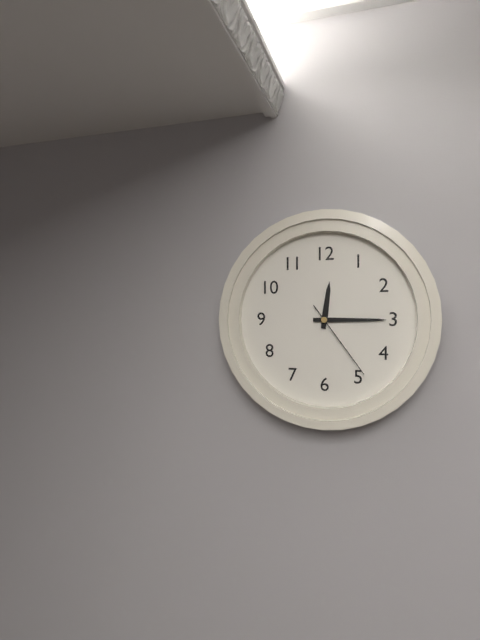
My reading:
h=12 m=15 s=24
